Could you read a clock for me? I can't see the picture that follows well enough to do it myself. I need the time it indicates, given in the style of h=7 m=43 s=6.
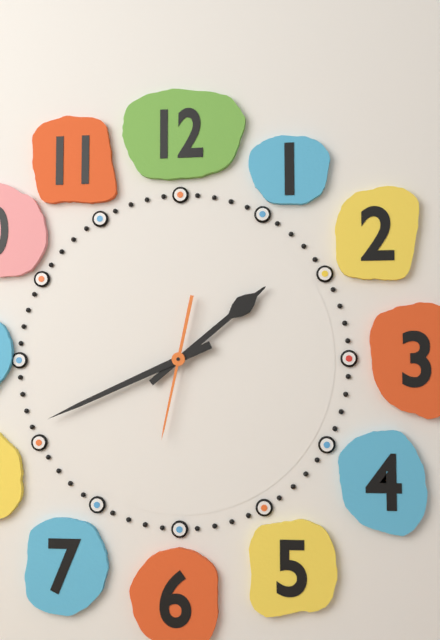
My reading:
h=1 m=41 s=32
